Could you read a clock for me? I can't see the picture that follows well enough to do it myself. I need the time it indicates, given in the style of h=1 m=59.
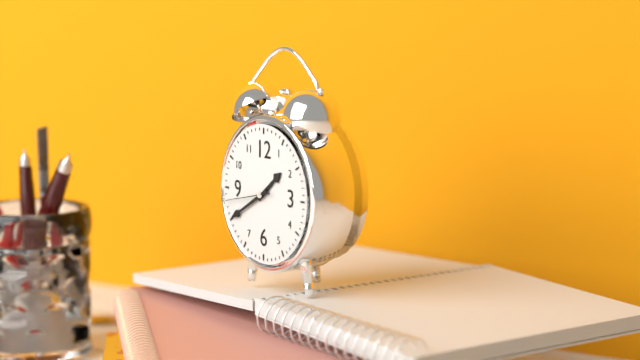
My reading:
h=1 m=40
